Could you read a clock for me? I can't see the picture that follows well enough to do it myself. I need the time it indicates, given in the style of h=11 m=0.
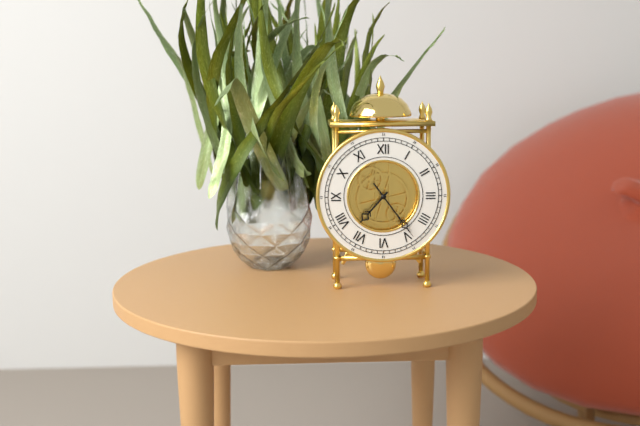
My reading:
h=7 m=24
